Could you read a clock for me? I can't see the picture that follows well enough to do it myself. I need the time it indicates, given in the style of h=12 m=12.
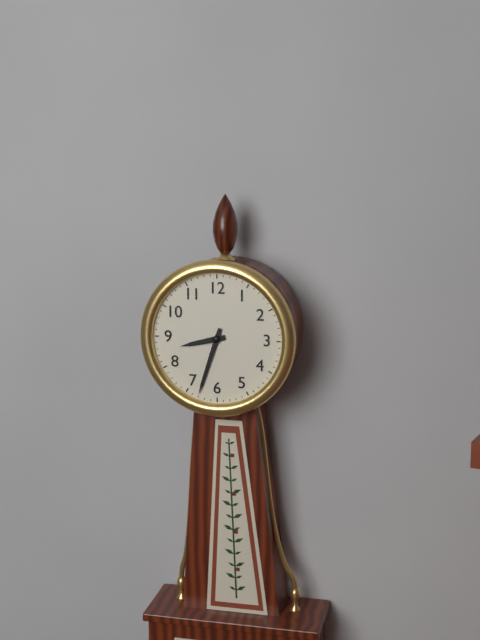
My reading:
h=8 m=33
